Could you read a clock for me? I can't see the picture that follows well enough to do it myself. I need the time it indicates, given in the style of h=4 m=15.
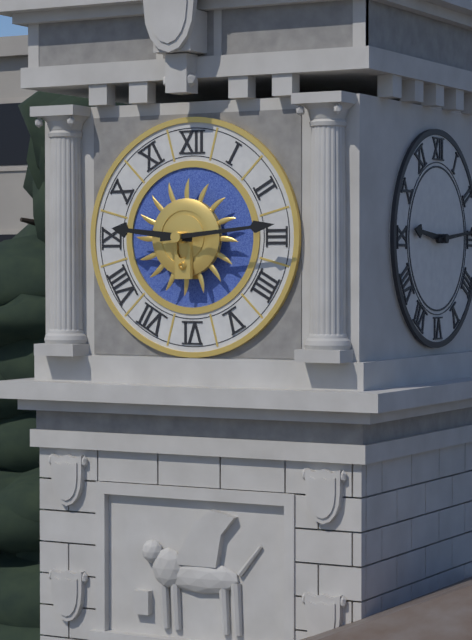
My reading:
h=9 m=14
